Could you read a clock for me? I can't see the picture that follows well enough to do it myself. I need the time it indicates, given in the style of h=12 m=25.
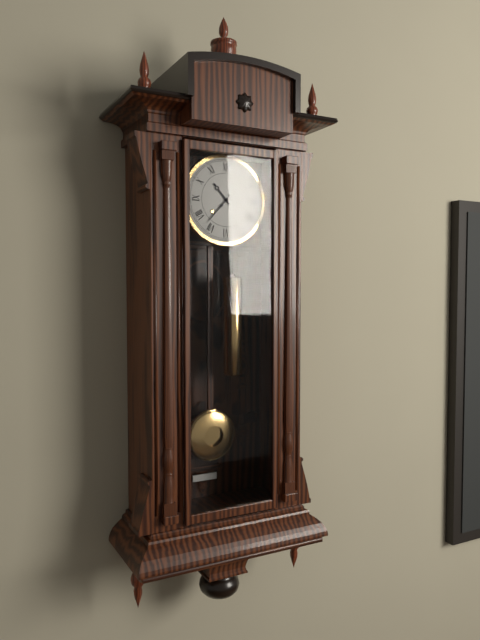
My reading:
h=10 m=37
